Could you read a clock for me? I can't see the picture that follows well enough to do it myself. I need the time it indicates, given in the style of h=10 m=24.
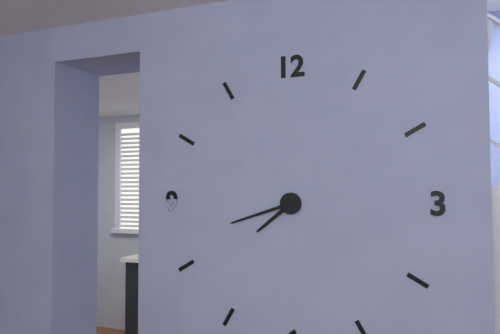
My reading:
h=7 m=42
